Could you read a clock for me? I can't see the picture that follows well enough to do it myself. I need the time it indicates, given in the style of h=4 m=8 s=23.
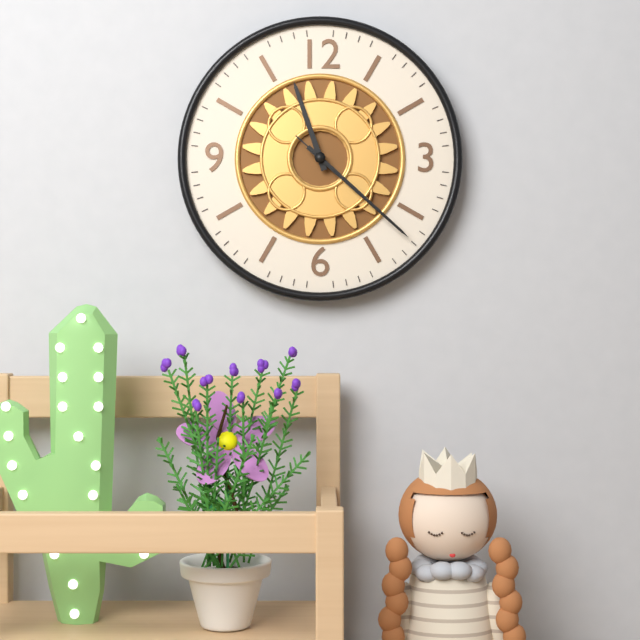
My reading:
h=11 m=22 s=22
